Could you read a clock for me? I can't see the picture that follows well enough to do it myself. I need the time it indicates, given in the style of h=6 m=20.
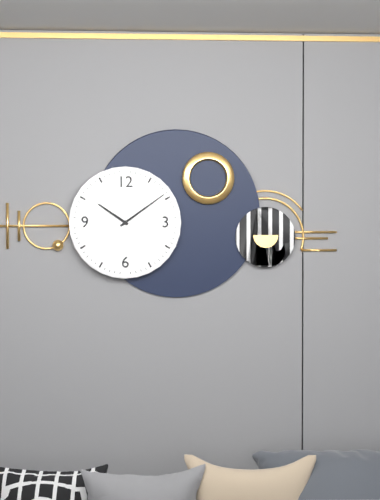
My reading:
h=10 m=9
